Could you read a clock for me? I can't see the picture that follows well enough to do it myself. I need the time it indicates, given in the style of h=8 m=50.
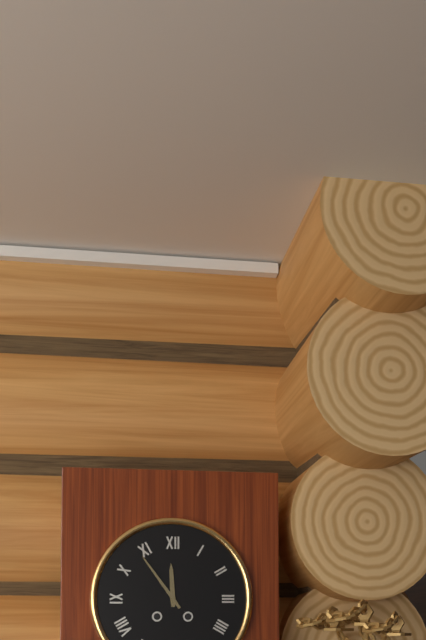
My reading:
h=11 m=54
